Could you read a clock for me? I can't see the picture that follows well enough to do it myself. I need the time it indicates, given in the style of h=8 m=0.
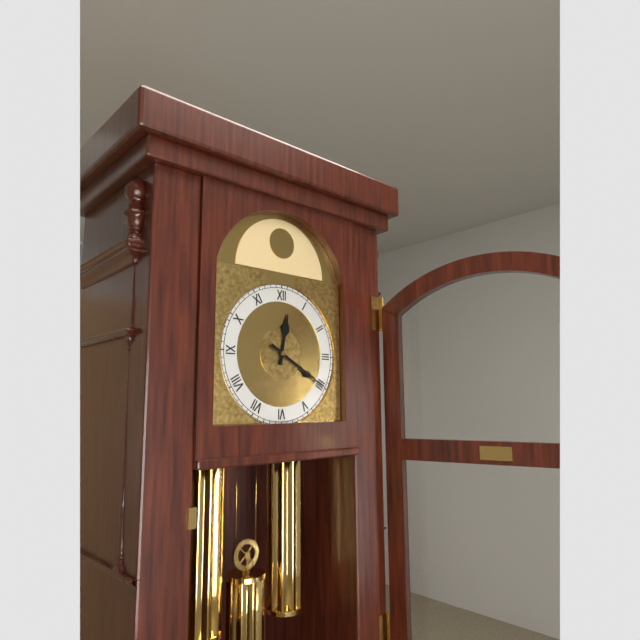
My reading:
h=12 m=20
